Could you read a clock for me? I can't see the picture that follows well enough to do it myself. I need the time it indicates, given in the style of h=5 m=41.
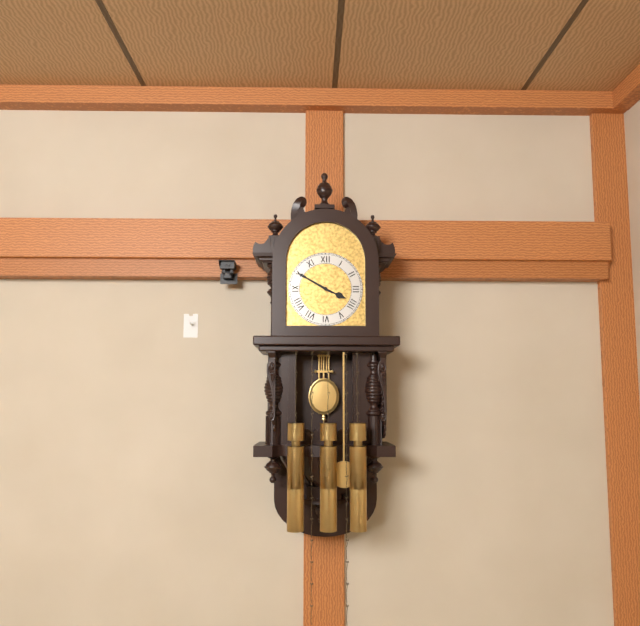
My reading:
h=3 m=50
